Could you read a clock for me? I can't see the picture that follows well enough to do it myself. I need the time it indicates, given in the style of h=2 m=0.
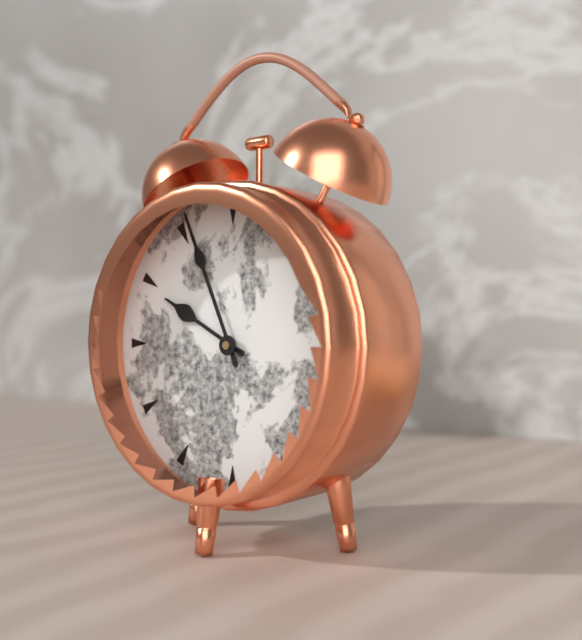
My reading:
h=9 m=56
